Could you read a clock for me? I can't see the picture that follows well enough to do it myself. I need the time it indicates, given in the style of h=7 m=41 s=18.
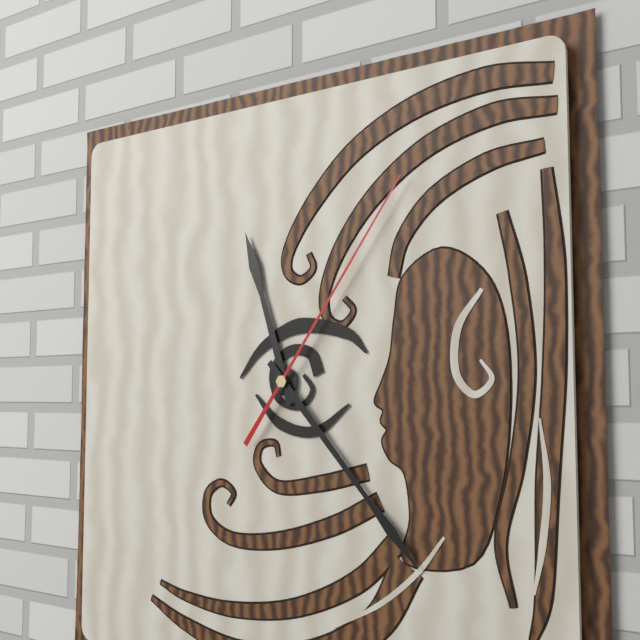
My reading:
h=11 m=23 s=6
